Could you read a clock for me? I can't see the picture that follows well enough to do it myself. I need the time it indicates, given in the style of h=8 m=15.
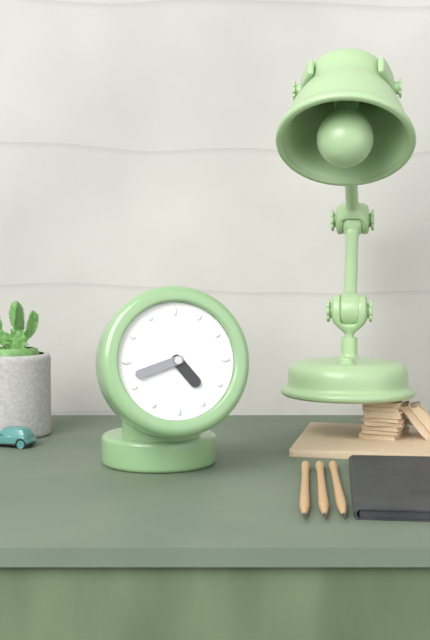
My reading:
h=4 m=42
